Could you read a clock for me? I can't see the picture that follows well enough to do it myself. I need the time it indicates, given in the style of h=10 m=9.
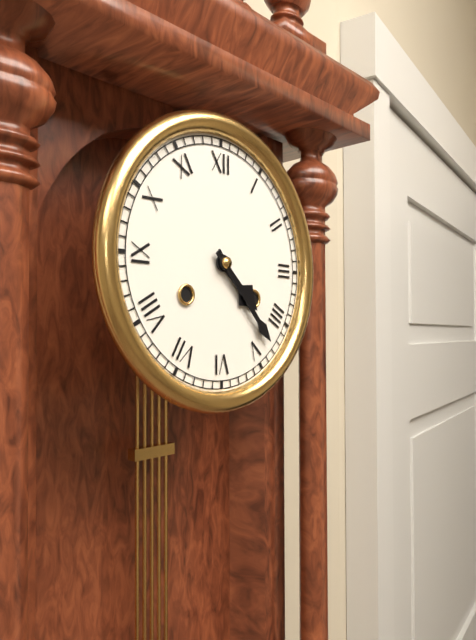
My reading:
h=4 m=23
